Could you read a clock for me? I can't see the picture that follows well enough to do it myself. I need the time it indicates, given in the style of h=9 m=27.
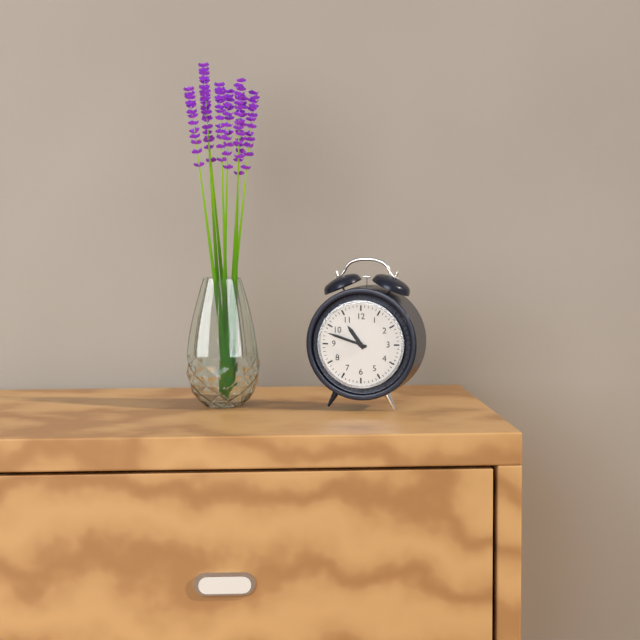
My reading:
h=10 m=48
